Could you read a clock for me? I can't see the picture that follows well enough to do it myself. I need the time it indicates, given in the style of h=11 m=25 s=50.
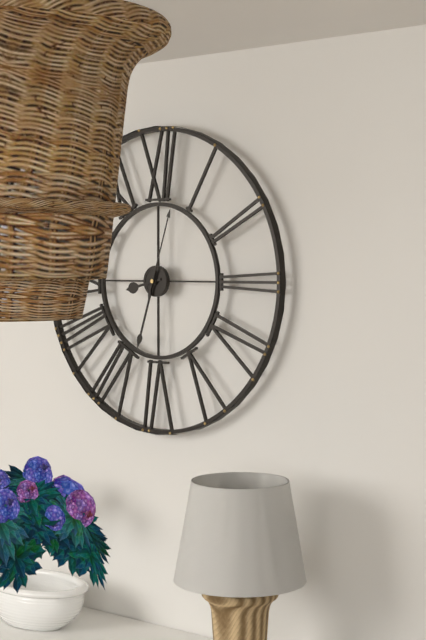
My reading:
h=8 m=33 s=3
